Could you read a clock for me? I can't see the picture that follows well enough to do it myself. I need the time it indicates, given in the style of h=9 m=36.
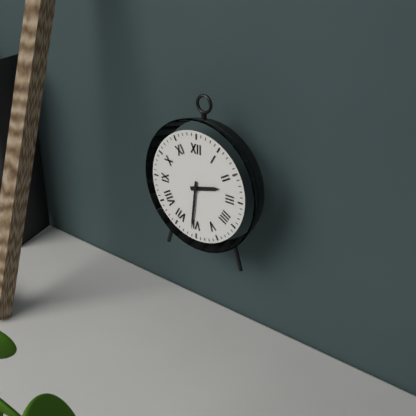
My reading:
h=2 m=31
